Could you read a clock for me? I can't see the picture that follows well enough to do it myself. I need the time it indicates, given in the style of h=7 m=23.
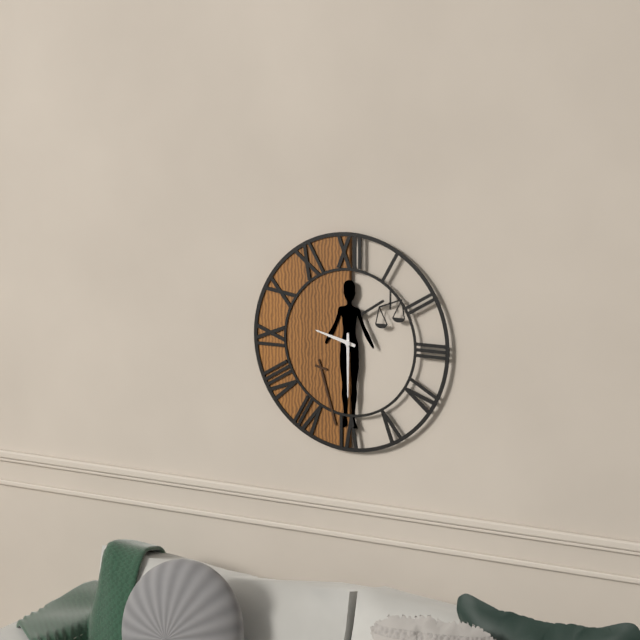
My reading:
h=9 m=30
